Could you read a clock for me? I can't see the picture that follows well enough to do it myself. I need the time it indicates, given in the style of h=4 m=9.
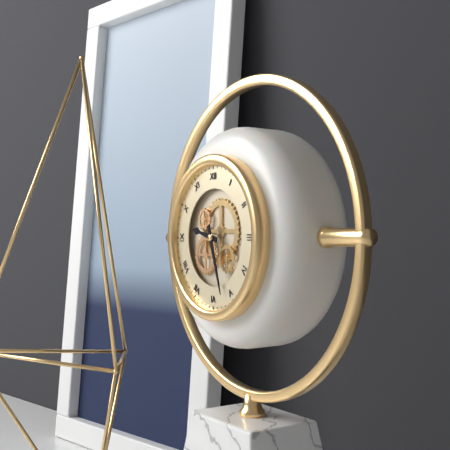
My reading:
h=9 m=27
